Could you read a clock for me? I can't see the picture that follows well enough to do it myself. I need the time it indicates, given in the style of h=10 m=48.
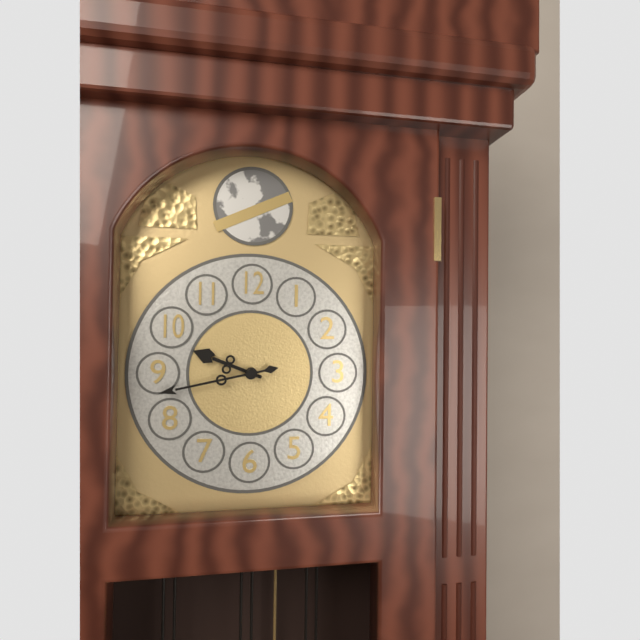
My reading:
h=9 m=43
